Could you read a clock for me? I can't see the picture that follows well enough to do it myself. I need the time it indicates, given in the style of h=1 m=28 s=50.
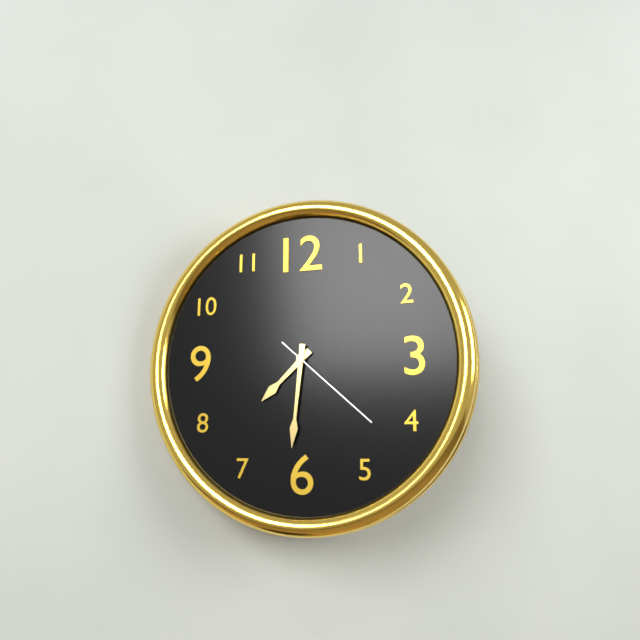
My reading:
h=7 m=31 s=22
